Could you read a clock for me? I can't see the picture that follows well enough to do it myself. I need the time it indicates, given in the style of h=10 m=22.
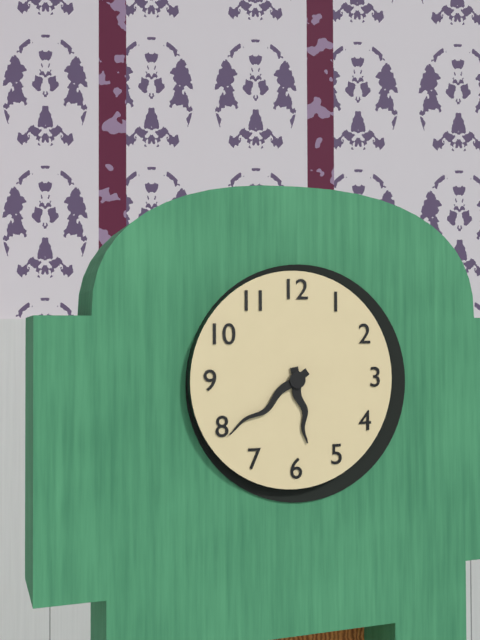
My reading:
h=5 m=39
